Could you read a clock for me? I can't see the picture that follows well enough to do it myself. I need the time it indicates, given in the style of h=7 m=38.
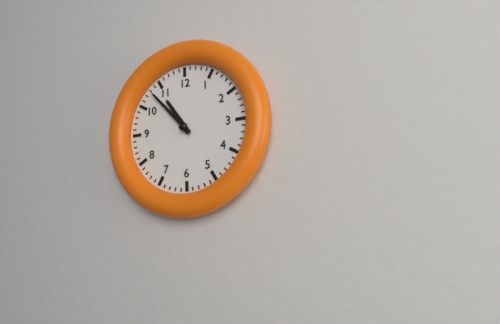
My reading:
h=10 m=53
